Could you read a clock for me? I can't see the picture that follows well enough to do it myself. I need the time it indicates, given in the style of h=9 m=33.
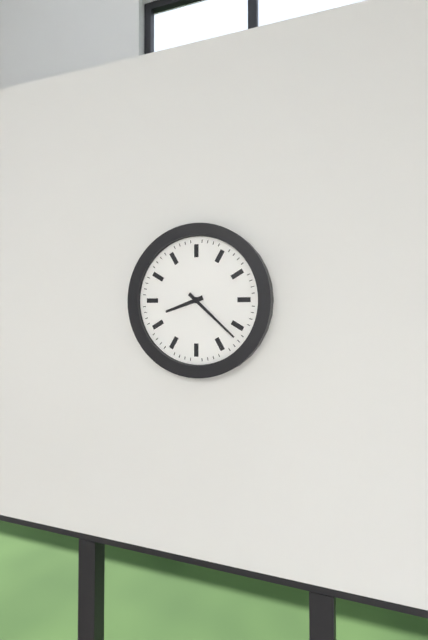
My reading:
h=8 m=22
